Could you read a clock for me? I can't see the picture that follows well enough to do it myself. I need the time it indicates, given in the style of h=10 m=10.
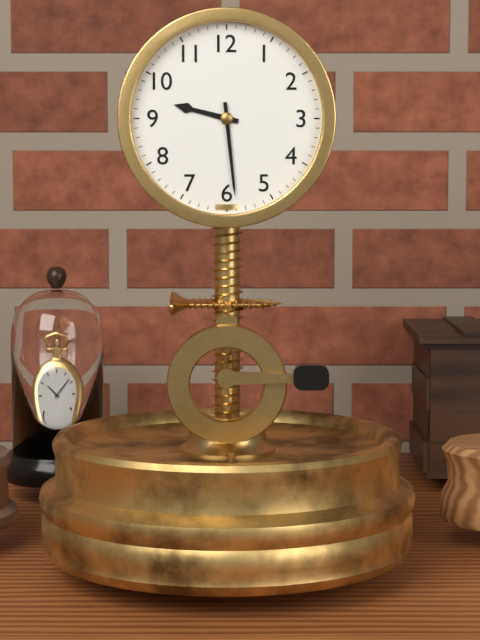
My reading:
h=9 m=29
